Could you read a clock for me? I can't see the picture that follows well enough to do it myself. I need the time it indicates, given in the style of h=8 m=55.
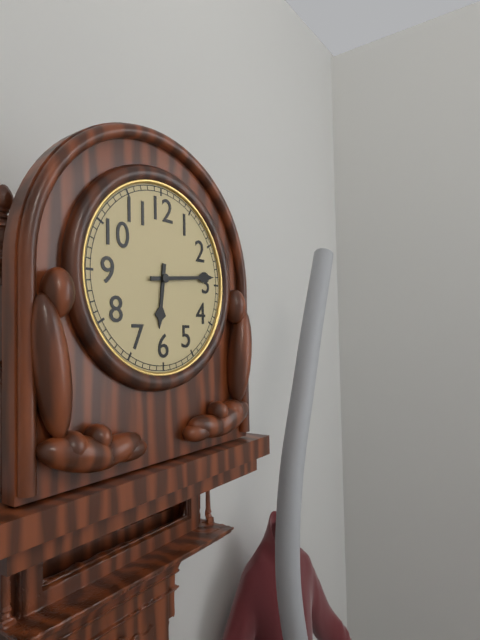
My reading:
h=6 m=14
